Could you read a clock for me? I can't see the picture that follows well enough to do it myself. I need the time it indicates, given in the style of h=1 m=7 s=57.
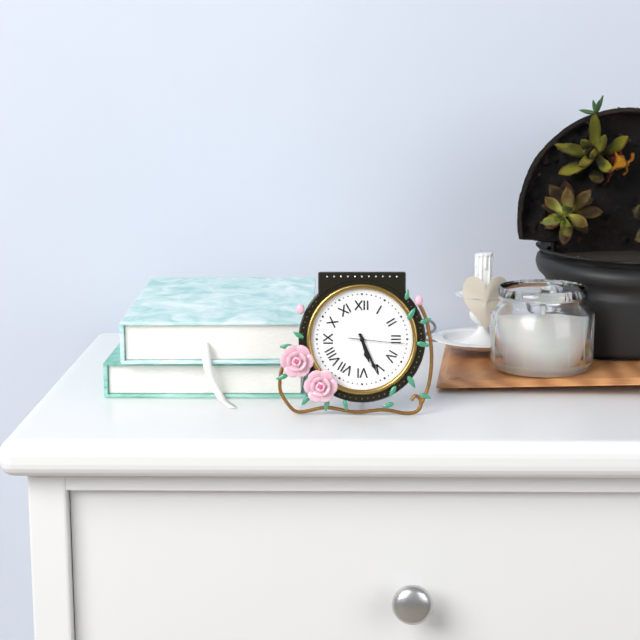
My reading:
h=5 m=26 s=16
